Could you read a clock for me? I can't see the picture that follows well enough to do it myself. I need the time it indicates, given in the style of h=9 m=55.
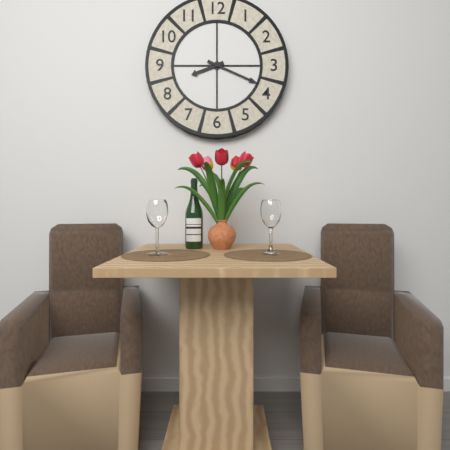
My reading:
h=8 m=19
